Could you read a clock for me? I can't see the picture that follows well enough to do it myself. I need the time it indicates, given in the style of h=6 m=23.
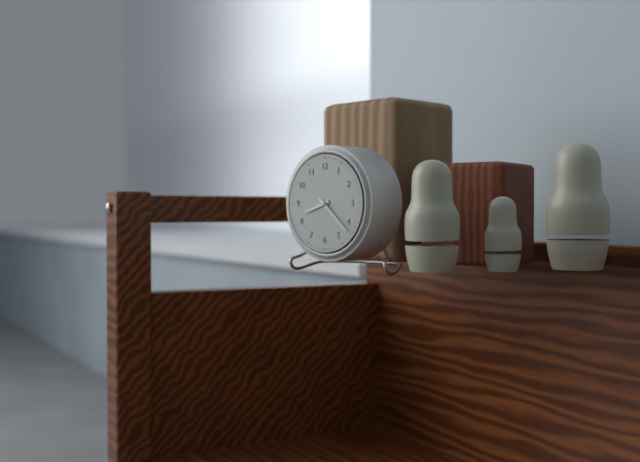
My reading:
h=8 m=22
